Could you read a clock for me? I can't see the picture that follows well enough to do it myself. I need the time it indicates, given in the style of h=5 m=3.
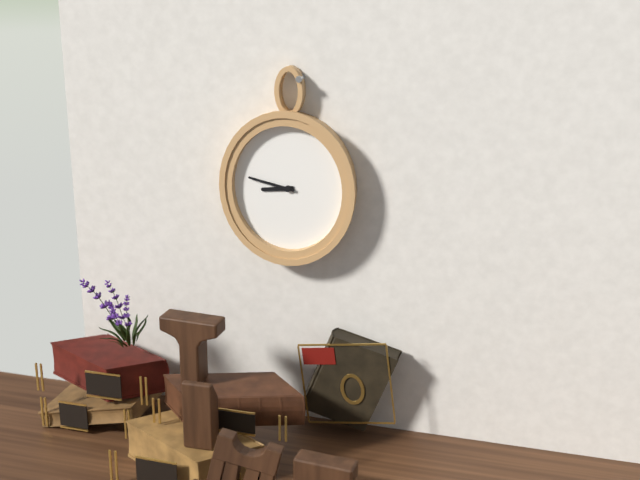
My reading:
h=8 m=47
